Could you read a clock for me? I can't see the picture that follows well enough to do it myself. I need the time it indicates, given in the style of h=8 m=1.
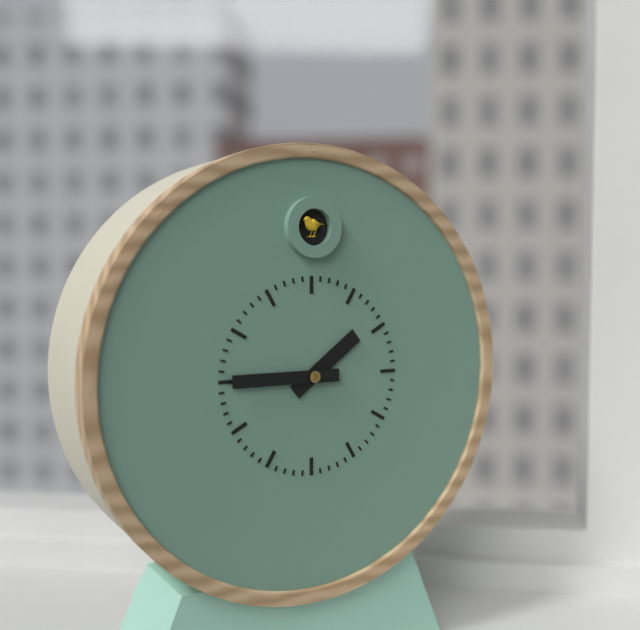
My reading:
h=1 m=45
